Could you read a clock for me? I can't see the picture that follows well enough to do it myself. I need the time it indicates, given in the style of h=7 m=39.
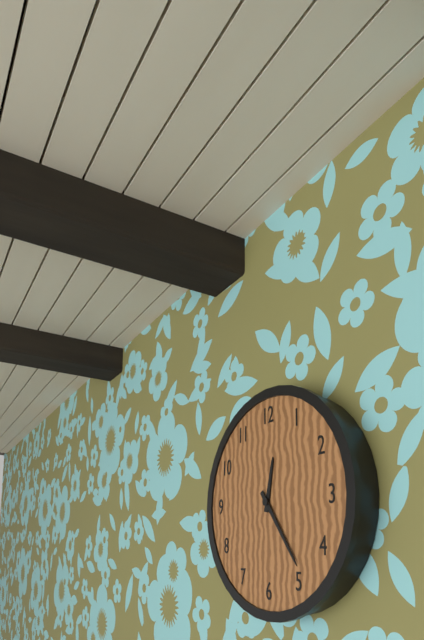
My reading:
h=12 m=24
